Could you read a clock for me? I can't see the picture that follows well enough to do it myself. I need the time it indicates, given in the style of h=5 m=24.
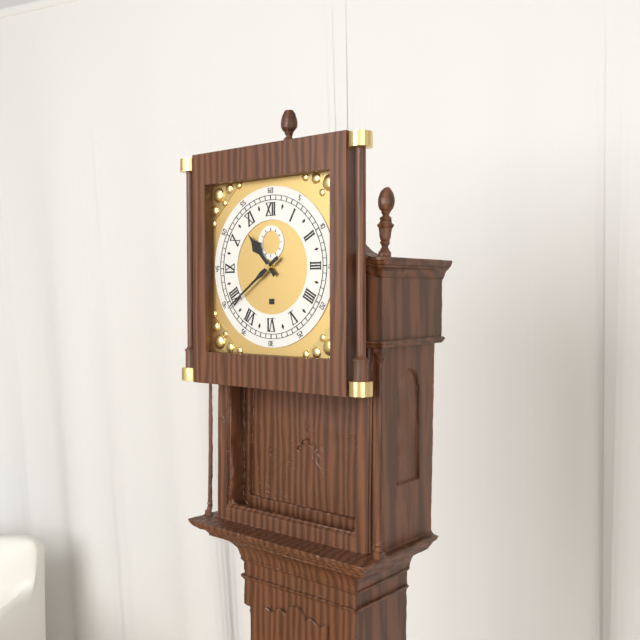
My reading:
h=10 m=39
